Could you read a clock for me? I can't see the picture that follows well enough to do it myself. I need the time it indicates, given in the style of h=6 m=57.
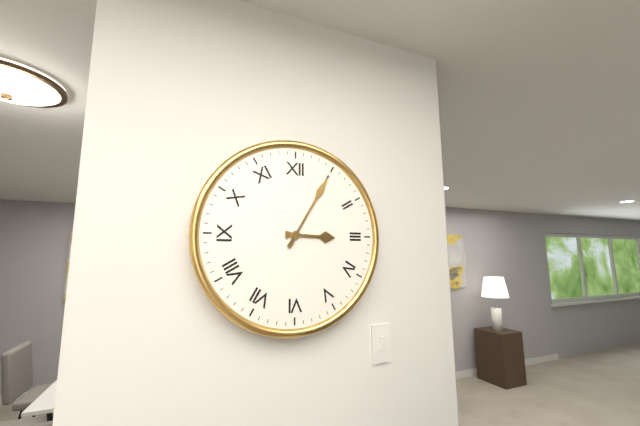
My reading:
h=3 m=5
